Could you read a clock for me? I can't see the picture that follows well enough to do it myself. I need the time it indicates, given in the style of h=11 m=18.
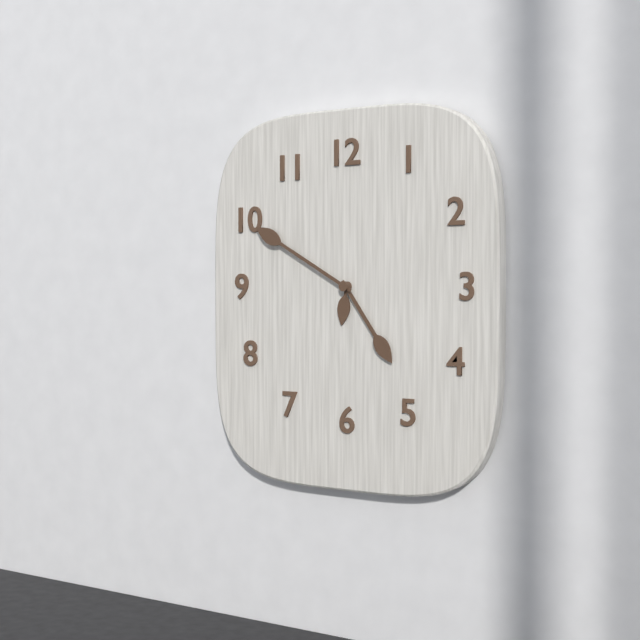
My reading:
h=4 m=50
